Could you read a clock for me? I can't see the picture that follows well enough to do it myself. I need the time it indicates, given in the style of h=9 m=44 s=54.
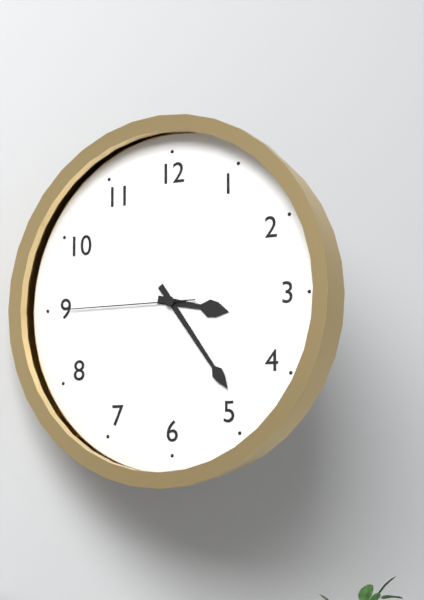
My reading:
h=3 m=24 s=45
